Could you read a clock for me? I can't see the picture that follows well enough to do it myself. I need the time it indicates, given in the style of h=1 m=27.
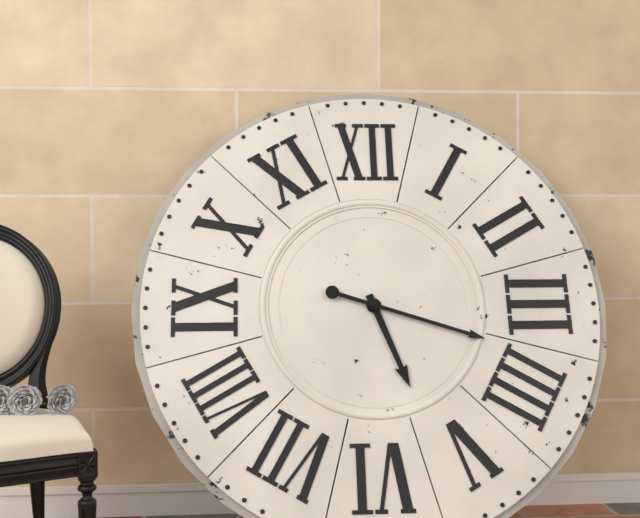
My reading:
h=5 m=18
